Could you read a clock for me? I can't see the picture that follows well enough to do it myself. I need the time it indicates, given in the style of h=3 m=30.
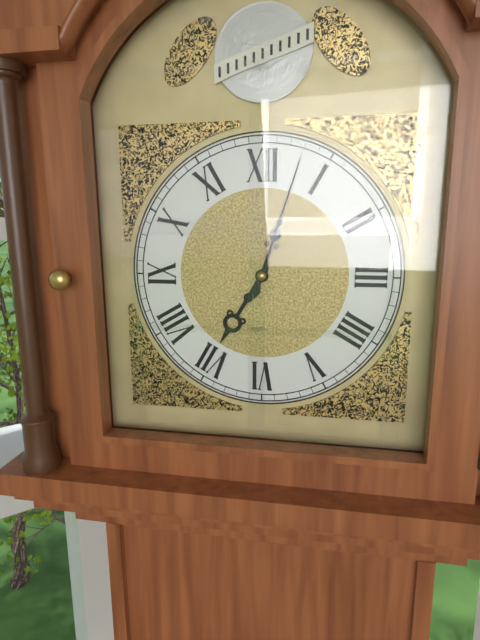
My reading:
h=7 m=3
